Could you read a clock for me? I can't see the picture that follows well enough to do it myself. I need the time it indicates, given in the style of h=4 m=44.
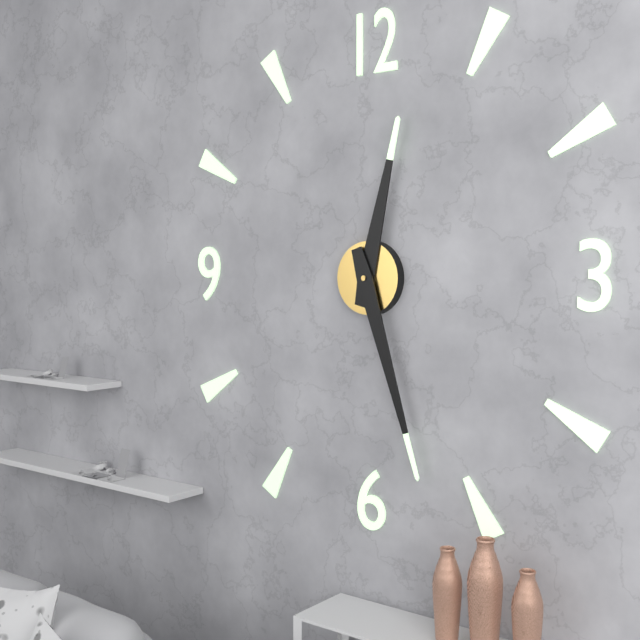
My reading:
h=12 m=27
